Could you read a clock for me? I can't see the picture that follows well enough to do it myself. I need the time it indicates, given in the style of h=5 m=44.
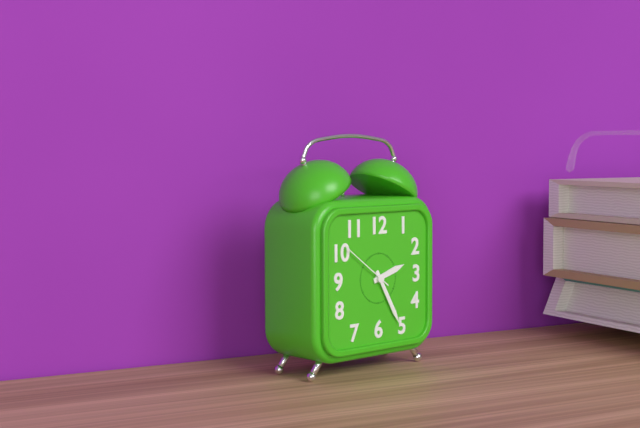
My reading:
h=2 m=25
